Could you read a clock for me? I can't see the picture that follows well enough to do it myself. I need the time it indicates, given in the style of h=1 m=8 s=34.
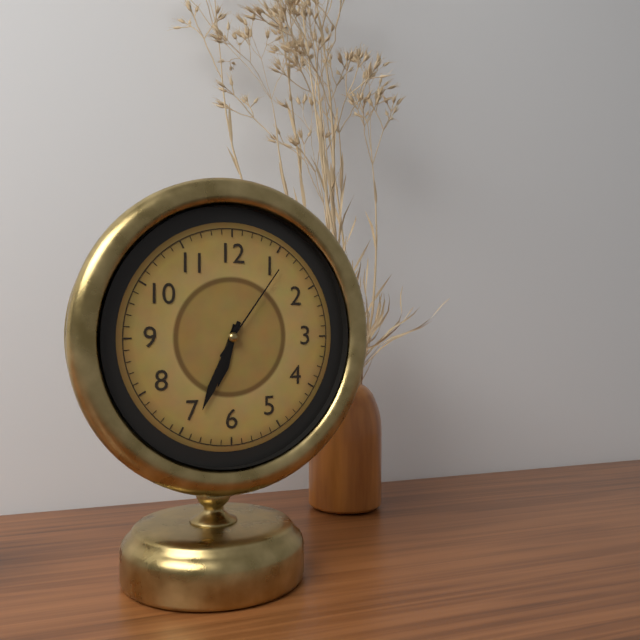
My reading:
h=6 m=34 s=6
